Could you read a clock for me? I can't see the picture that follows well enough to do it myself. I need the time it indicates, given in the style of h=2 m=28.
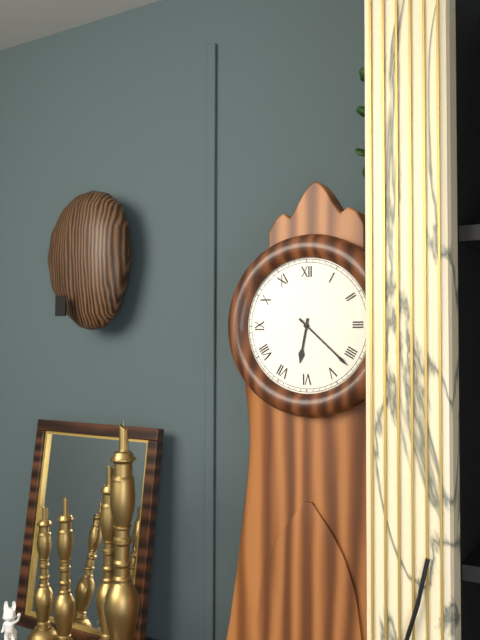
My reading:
h=6 m=22
